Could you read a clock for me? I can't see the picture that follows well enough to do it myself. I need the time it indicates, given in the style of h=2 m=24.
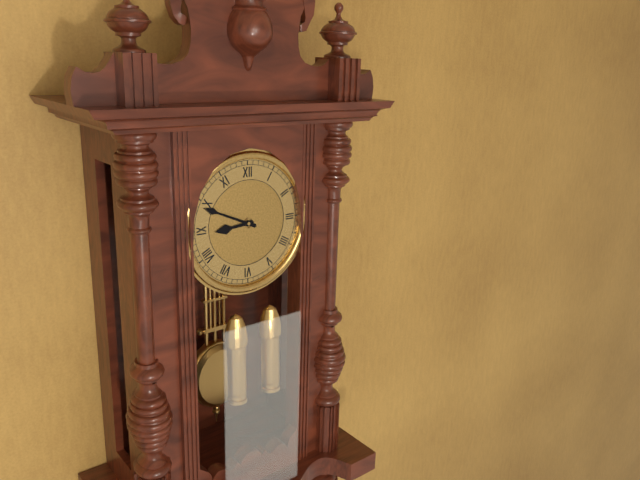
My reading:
h=8 m=49
